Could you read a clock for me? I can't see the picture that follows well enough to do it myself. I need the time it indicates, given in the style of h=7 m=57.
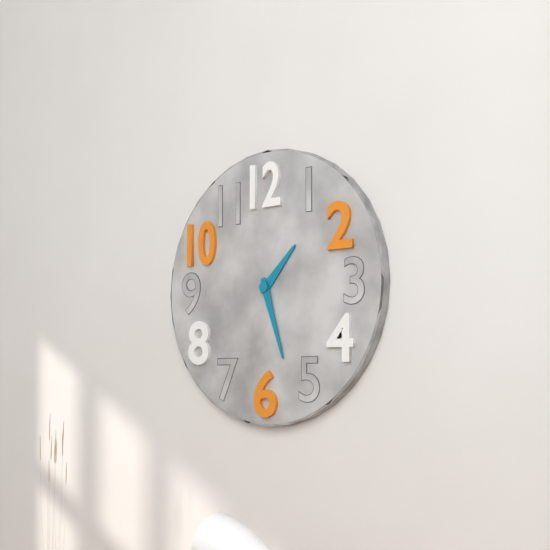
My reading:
h=1 m=27
